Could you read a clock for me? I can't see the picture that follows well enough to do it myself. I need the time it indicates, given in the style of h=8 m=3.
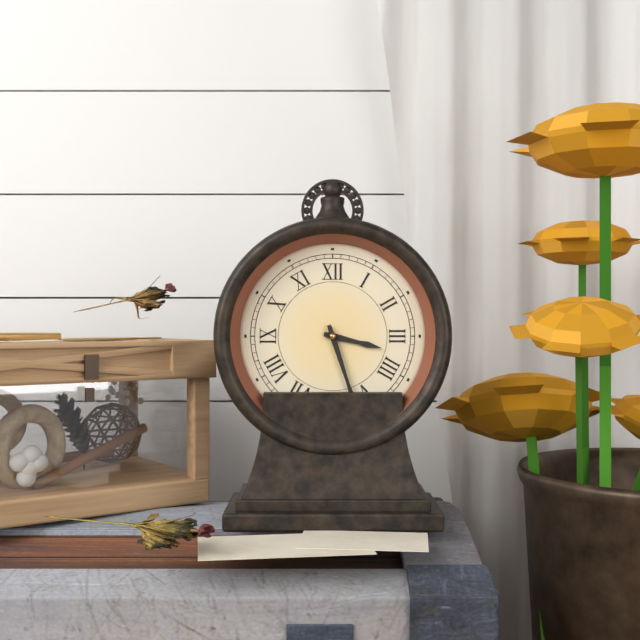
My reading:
h=3 m=27
